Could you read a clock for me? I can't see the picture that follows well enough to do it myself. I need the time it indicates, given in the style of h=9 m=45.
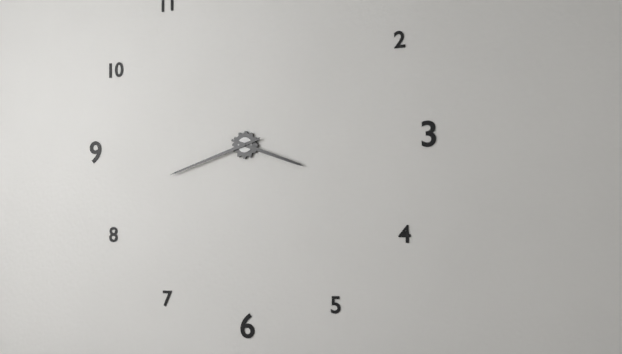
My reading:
h=3 m=42
